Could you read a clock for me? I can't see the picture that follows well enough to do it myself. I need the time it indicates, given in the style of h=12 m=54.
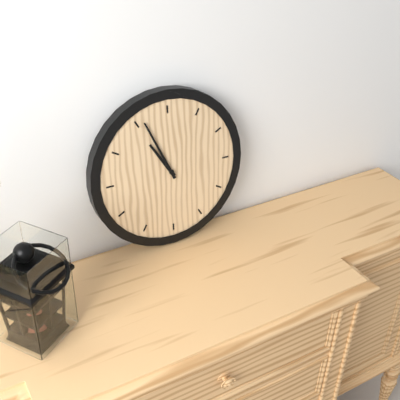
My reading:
h=10 m=56
